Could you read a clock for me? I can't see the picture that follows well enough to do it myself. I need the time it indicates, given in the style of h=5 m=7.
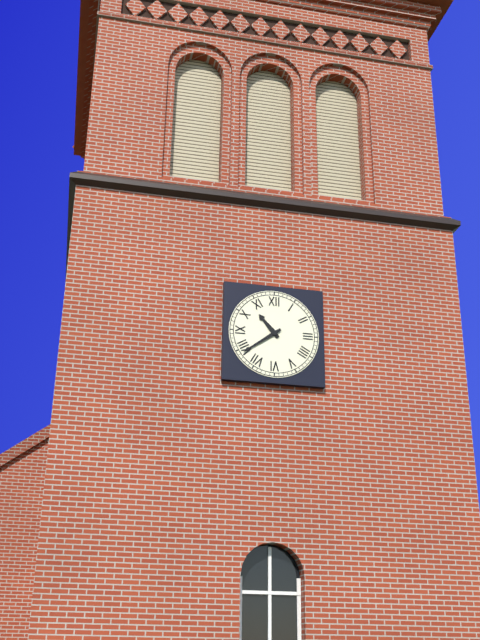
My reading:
h=10 m=39
